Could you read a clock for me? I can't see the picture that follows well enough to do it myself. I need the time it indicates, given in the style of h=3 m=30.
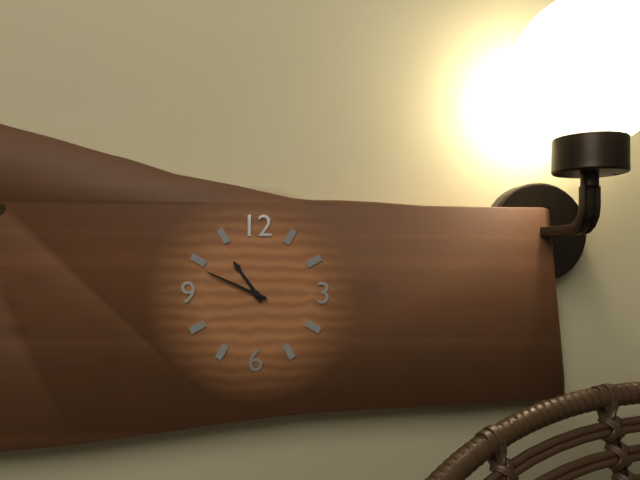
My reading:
h=10 m=49
